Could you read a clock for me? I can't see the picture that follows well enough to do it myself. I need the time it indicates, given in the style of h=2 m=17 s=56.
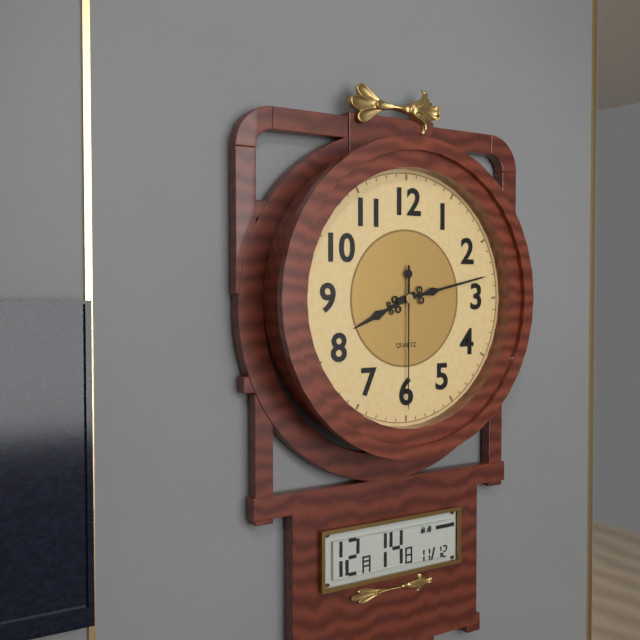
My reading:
h=8 m=13 s=30
